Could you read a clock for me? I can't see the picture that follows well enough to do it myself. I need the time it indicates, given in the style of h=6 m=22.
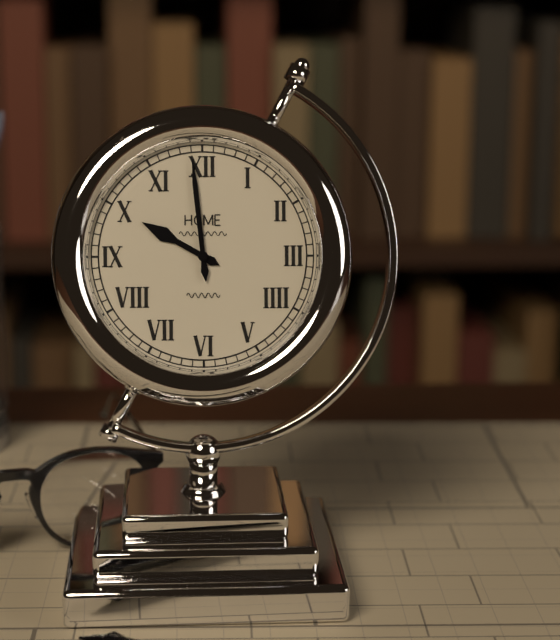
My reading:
h=9 m=59
